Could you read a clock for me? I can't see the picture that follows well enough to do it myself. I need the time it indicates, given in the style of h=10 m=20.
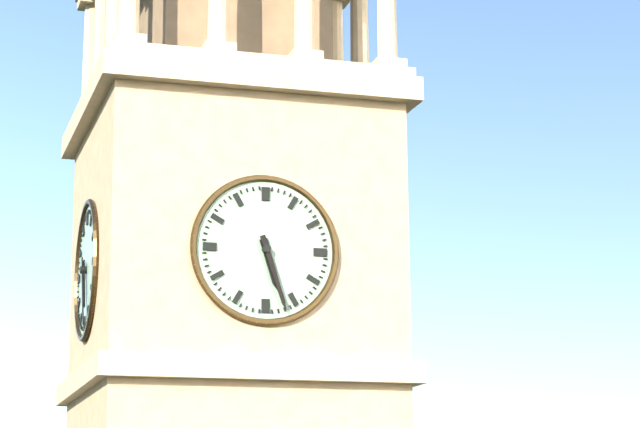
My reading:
h=5 m=27
